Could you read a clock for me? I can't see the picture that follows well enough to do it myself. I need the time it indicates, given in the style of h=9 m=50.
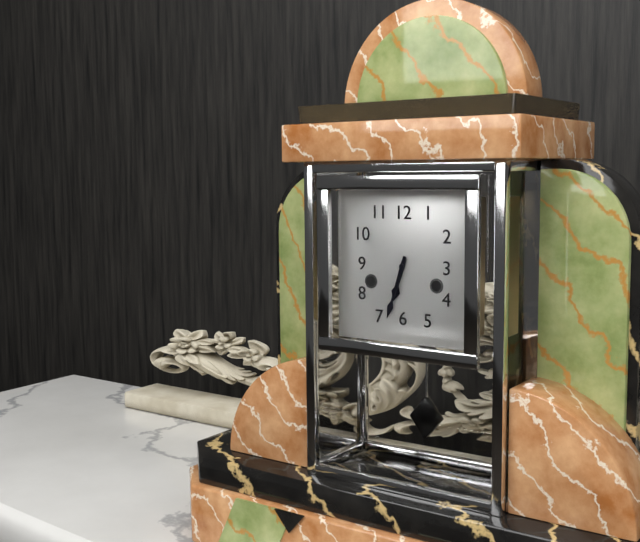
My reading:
h=6 m=33
